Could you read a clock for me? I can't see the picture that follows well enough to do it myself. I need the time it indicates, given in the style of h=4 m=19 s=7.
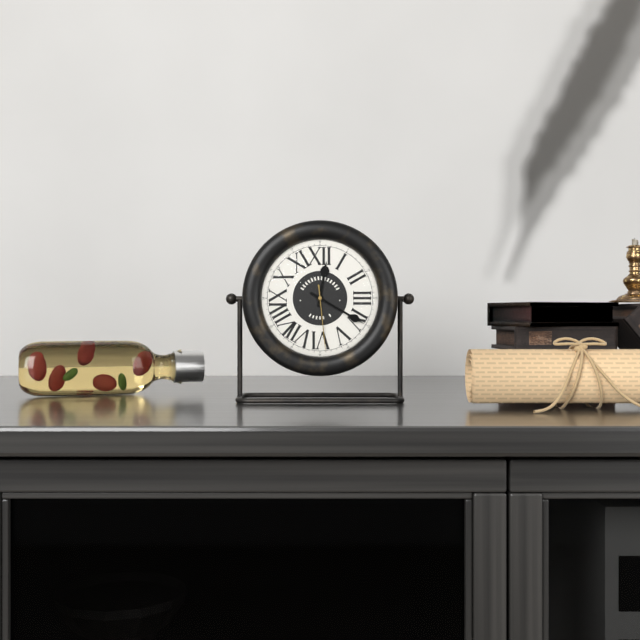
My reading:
h=12 m=20 s=29
